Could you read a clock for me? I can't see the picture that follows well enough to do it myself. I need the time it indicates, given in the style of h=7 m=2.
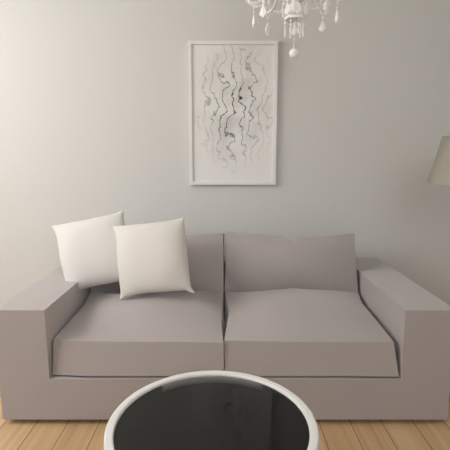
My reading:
h=9 m=49
